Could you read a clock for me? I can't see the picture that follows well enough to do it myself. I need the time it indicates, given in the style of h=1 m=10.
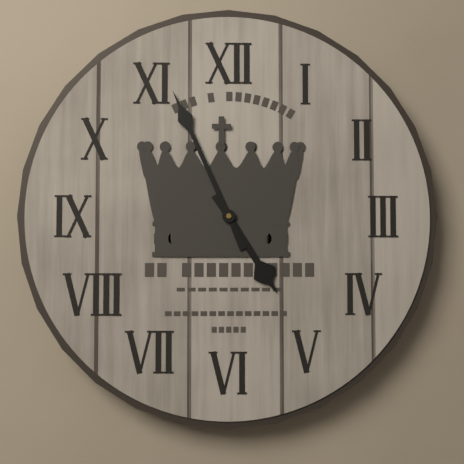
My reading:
h=4 m=56
